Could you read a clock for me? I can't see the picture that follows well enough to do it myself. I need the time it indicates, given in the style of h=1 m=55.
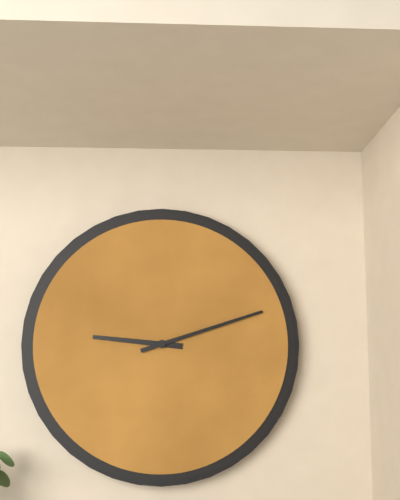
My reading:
h=9 m=12
